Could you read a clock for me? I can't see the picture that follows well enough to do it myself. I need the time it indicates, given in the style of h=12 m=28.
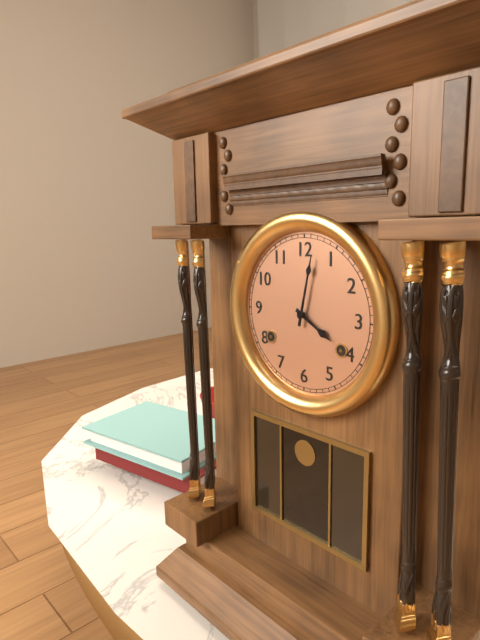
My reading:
h=4 m=2
